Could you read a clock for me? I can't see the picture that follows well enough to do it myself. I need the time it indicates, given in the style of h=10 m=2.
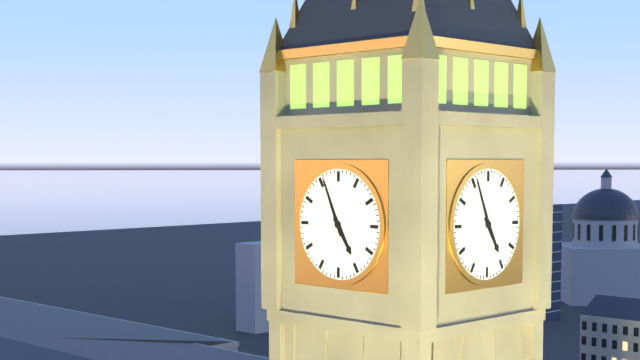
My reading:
h=4 m=56
